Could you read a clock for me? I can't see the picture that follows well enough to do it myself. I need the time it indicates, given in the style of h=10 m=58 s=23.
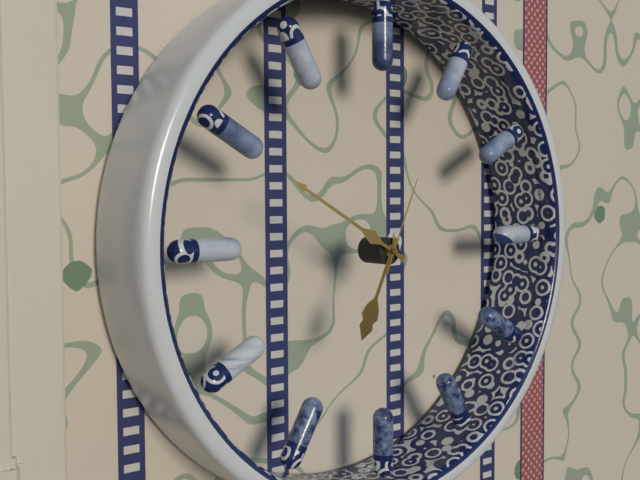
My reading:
h=6 m=50 s=4
